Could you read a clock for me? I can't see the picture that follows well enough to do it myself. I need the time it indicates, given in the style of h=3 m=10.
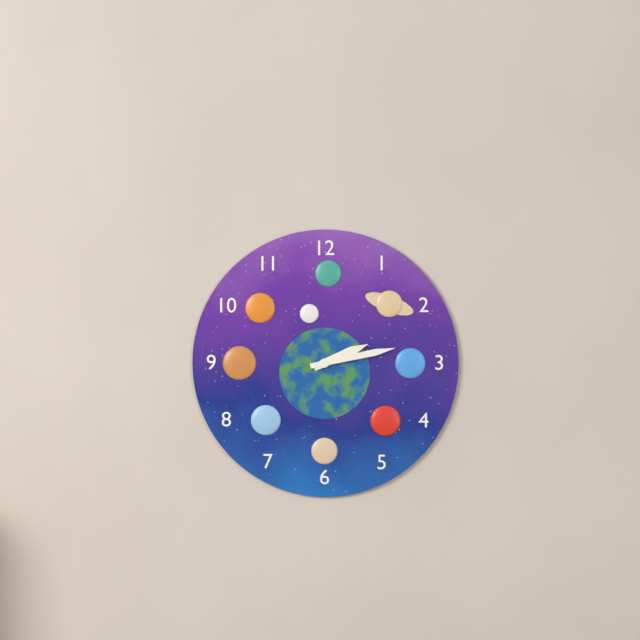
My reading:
h=2 m=13
